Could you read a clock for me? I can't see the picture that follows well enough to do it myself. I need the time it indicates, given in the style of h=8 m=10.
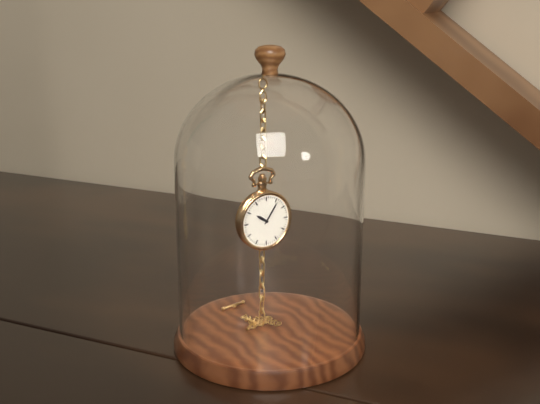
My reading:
h=10 m=6
